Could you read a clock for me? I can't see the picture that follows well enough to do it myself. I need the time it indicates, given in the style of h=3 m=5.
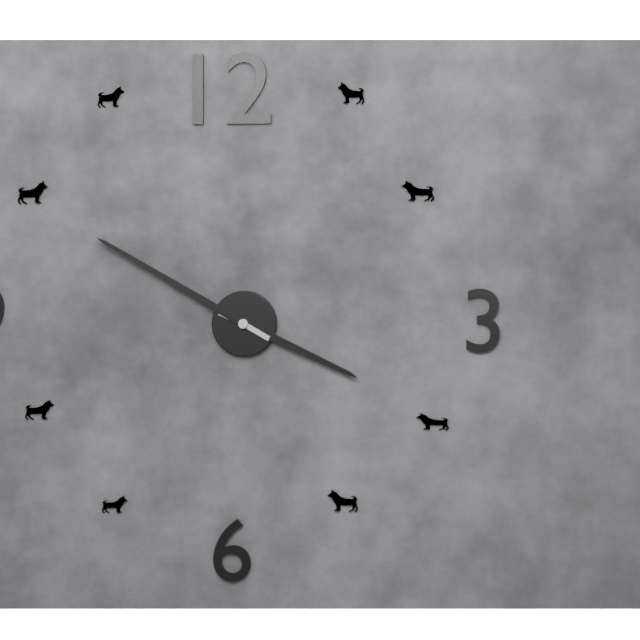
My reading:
h=3 m=50
